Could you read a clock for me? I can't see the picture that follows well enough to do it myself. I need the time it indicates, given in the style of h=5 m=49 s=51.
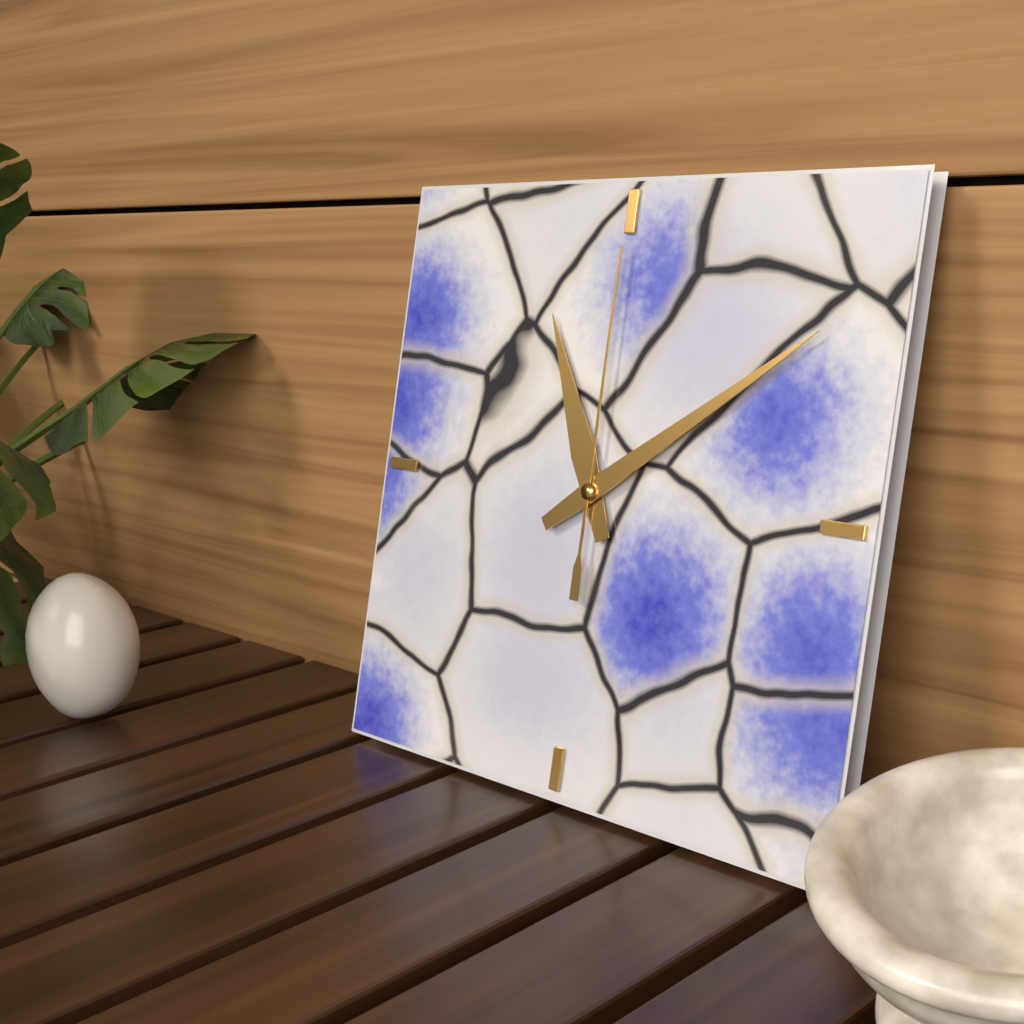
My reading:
h=11 m=9 s=0
